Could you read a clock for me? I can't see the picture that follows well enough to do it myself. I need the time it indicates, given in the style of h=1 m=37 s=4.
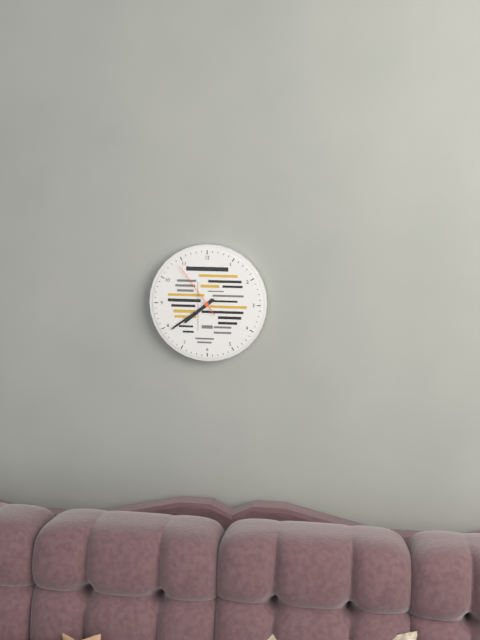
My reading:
h=7 m=39 s=54
